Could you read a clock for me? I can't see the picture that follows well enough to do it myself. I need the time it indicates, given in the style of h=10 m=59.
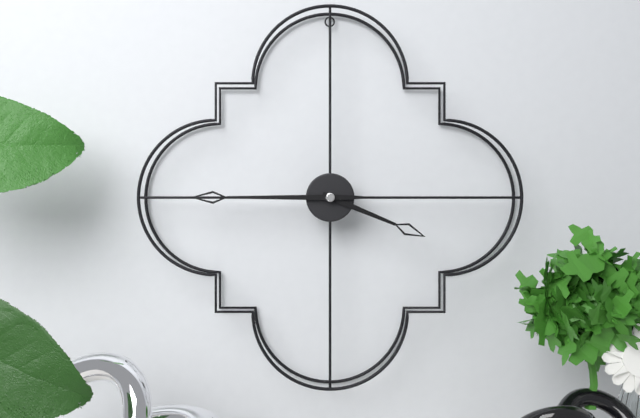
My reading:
h=3 m=45
